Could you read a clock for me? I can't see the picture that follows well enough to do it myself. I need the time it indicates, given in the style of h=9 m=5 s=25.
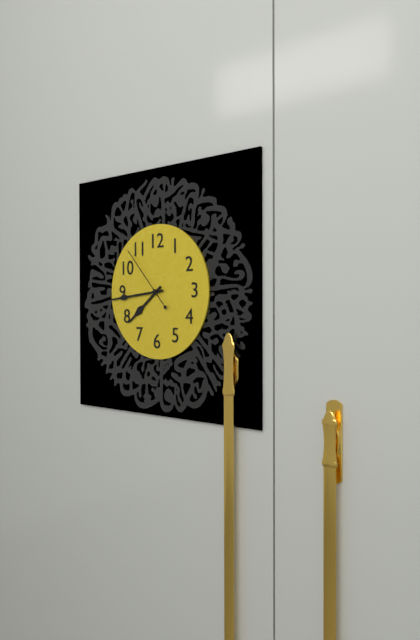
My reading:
h=7 m=44 s=53
